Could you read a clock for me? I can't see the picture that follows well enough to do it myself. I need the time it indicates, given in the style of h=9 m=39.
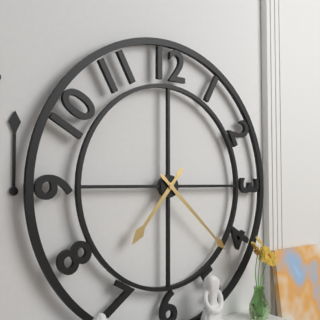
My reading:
h=7 m=22
